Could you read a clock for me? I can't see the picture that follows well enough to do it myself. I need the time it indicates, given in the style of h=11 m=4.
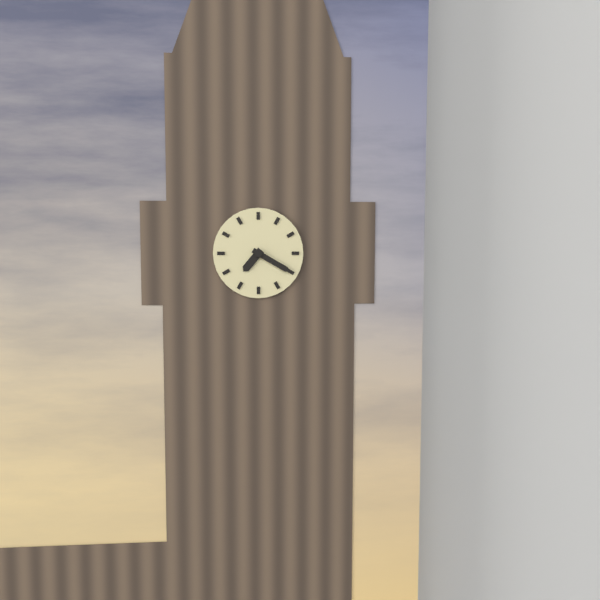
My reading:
h=7 m=20
